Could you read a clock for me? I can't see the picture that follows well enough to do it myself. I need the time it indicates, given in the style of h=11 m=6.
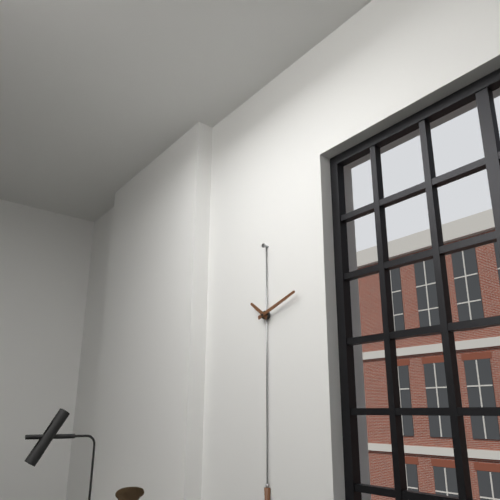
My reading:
h=10 m=12
